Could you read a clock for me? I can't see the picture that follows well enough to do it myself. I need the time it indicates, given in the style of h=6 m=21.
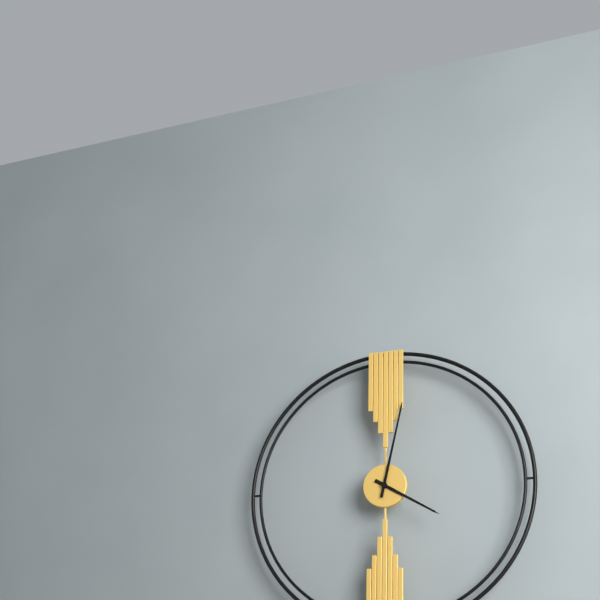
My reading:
h=4 m=2
